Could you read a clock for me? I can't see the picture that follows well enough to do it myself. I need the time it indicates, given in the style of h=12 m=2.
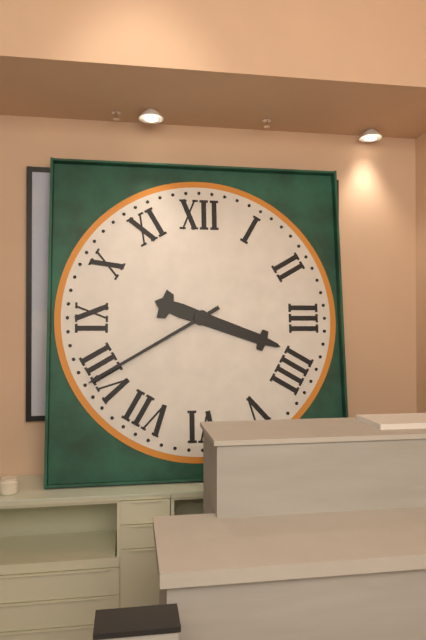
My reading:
h=3 m=40
